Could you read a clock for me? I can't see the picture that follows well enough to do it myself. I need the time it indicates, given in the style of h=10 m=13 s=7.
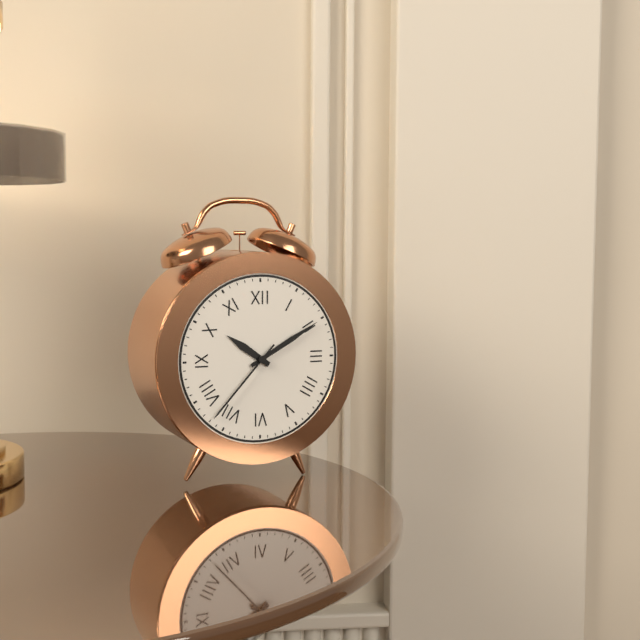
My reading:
h=10 m=10 s=37
